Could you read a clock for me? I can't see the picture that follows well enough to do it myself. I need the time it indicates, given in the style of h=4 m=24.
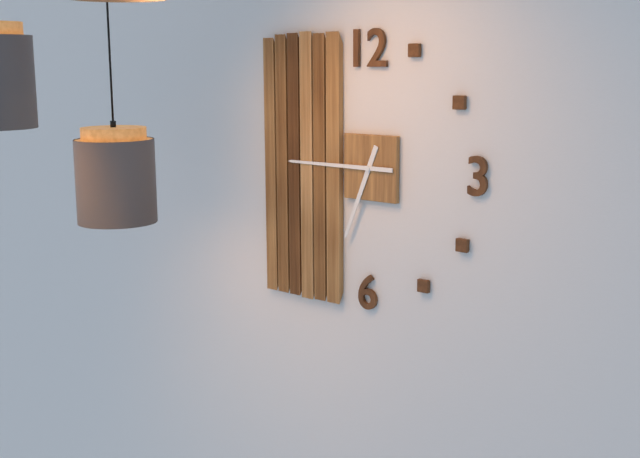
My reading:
h=6 m=45
